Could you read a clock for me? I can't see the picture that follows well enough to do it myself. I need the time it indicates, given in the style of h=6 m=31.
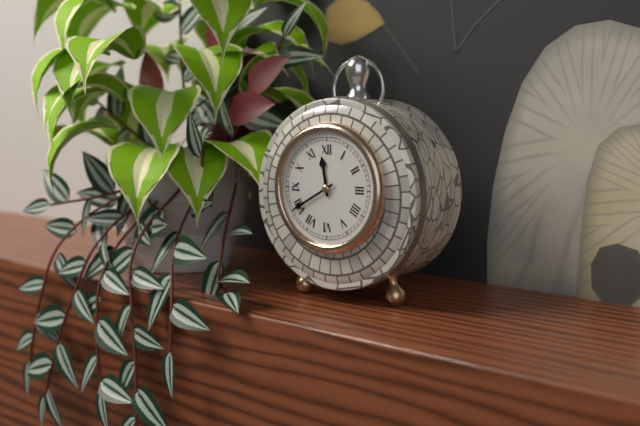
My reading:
h=11 m=40
